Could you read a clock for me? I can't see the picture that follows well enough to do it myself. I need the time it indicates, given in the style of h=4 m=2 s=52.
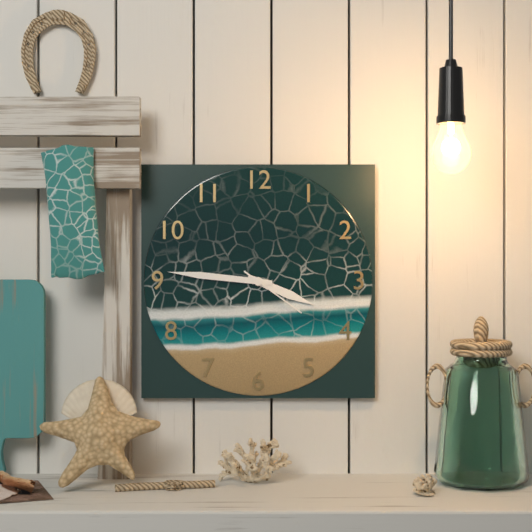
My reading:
h=3 m=46 s=21
